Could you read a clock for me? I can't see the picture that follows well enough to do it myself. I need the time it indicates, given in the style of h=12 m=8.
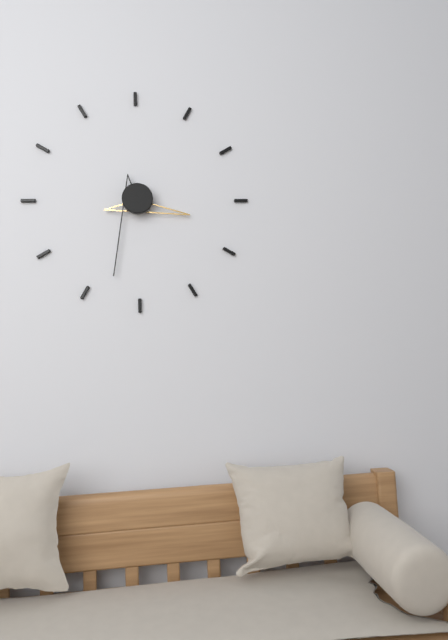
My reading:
h=3 m=33
